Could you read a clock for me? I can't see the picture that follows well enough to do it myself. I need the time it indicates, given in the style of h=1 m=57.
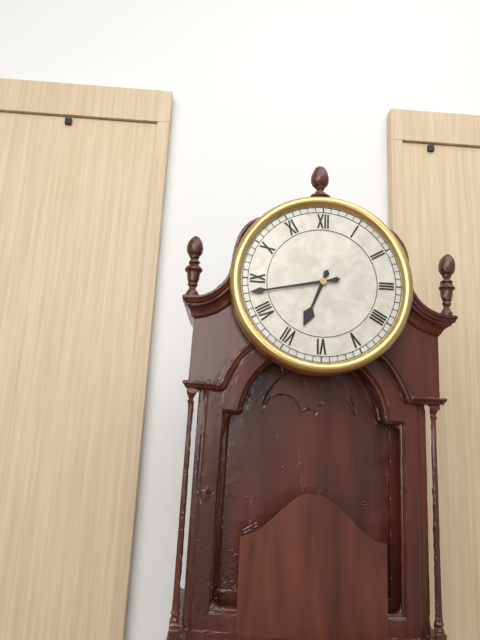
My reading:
h=6 m=43
